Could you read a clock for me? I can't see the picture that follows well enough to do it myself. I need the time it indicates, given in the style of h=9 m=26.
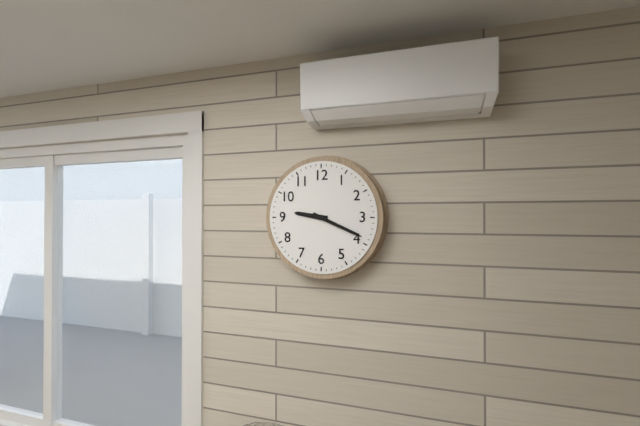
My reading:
h=9 m=19
